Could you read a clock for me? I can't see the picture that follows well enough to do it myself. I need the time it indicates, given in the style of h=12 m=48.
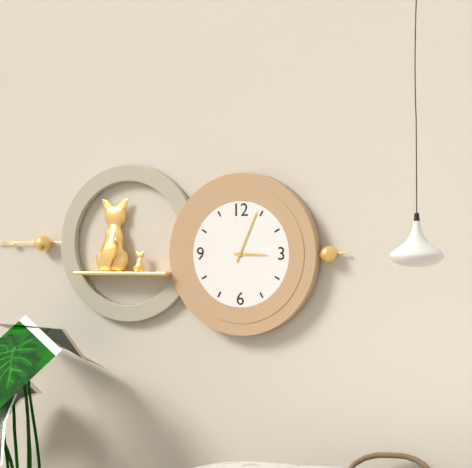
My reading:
h=3 m=4
